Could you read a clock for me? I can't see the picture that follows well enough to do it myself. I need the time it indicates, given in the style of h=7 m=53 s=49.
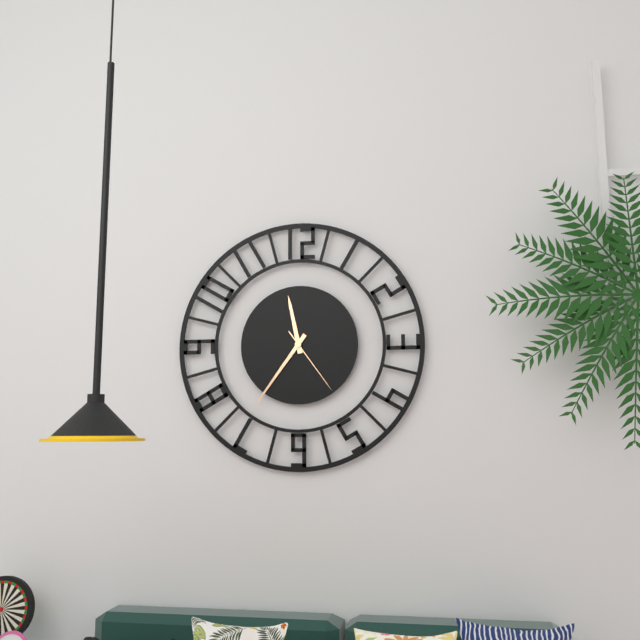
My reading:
h=11 m=36 s=24
